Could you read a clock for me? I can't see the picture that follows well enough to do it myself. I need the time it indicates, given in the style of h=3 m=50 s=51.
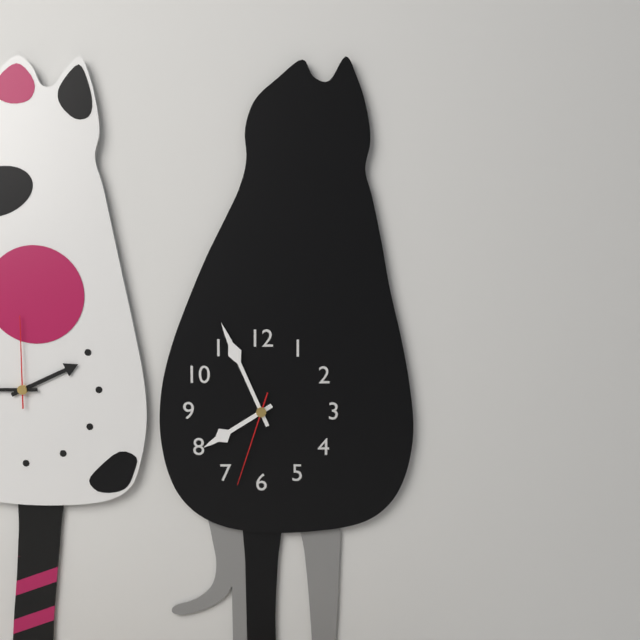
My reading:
h=7 m=56 s=33
